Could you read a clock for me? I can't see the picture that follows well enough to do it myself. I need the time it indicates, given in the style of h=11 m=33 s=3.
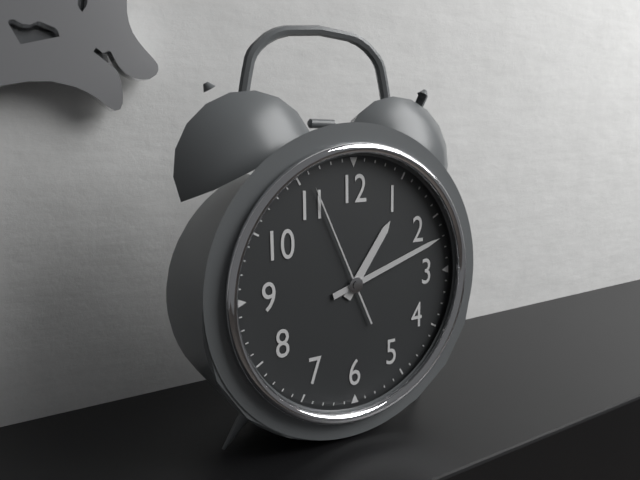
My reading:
h=1 m=12 s=56
